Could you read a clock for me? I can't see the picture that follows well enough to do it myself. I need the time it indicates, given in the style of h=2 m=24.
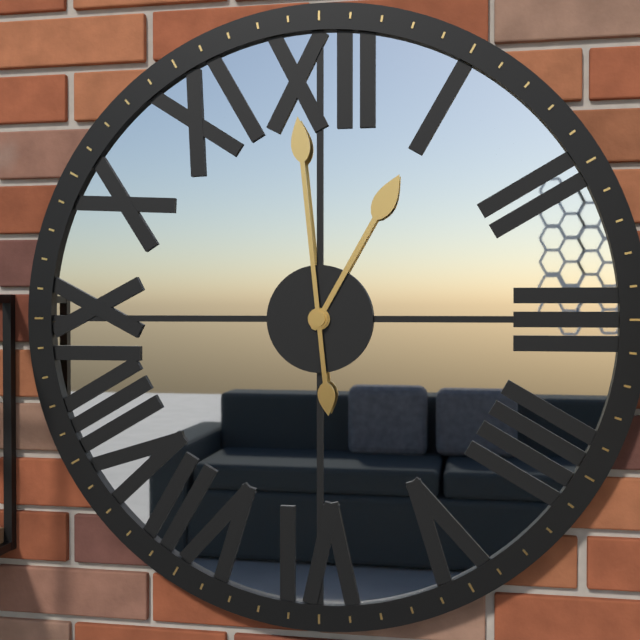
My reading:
h=12 m=59
